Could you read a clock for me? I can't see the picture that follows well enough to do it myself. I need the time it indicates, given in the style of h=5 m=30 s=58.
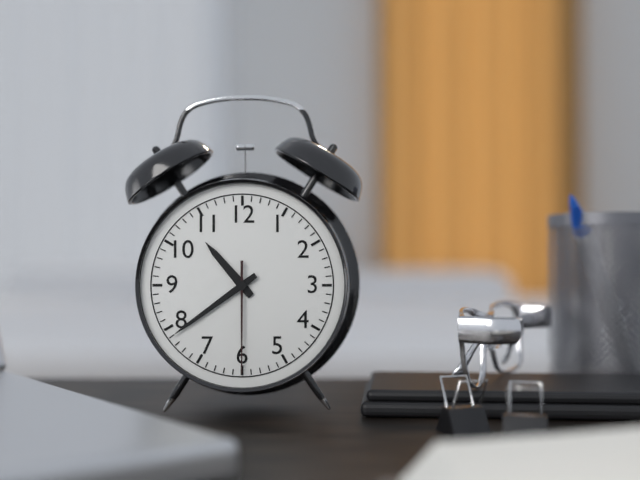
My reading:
h=10 m=39 s=30
